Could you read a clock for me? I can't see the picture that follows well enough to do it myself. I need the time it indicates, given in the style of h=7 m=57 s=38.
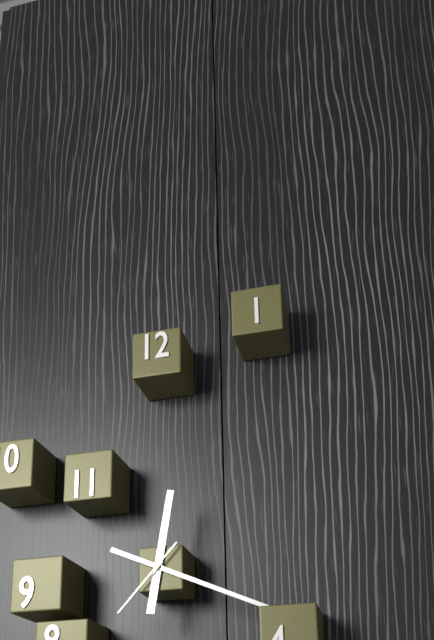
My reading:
h=12 m=19 s=37
